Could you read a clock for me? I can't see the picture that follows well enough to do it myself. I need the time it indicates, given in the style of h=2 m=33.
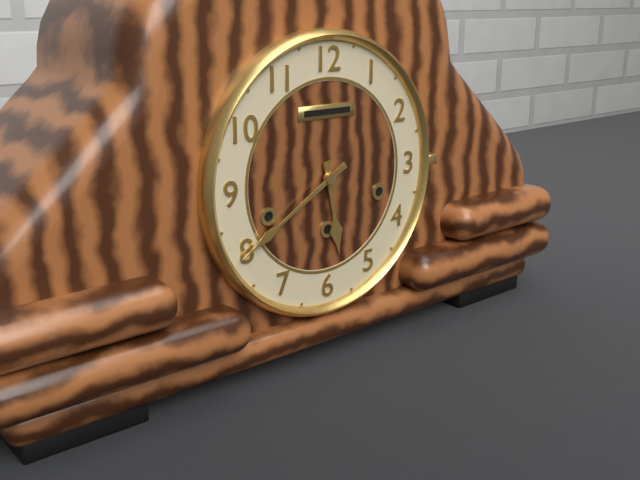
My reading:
h=5 m=40
